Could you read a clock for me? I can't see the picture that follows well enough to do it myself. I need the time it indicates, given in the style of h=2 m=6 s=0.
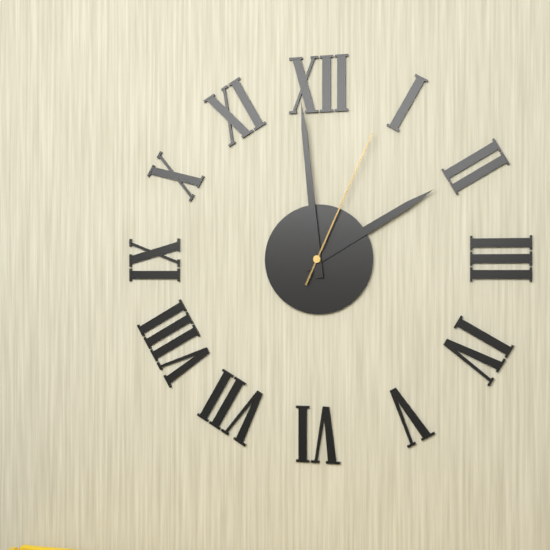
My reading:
h=1 m=59 s=4
